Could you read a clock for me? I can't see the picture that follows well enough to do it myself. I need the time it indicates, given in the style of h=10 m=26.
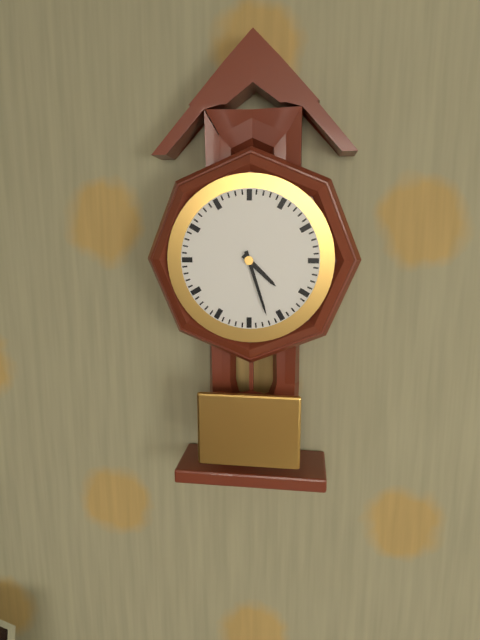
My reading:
h=4 m=27
